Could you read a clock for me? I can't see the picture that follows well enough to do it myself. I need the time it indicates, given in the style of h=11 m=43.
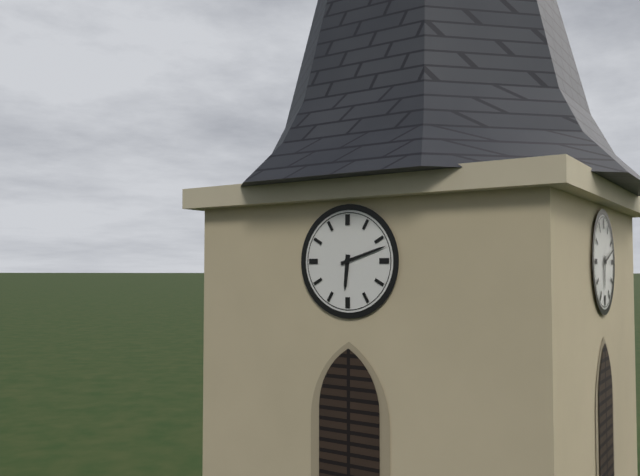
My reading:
h=6 m=12
